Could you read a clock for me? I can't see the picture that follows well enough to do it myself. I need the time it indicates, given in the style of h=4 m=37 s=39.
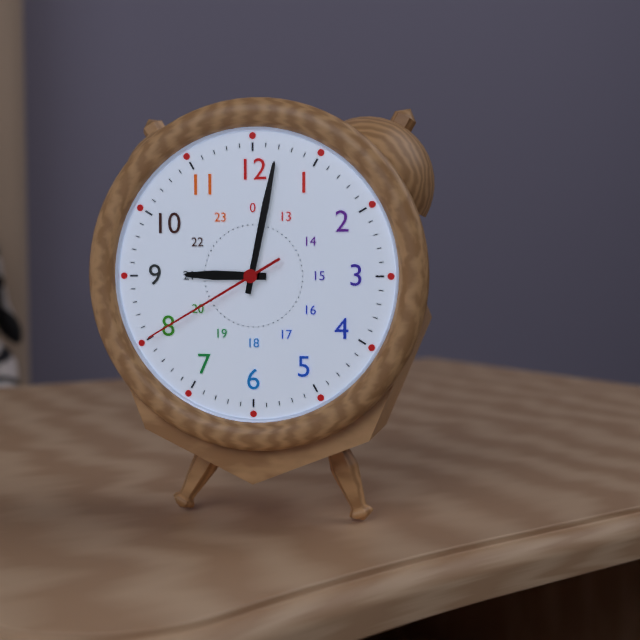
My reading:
h=9 m=2 s=40
